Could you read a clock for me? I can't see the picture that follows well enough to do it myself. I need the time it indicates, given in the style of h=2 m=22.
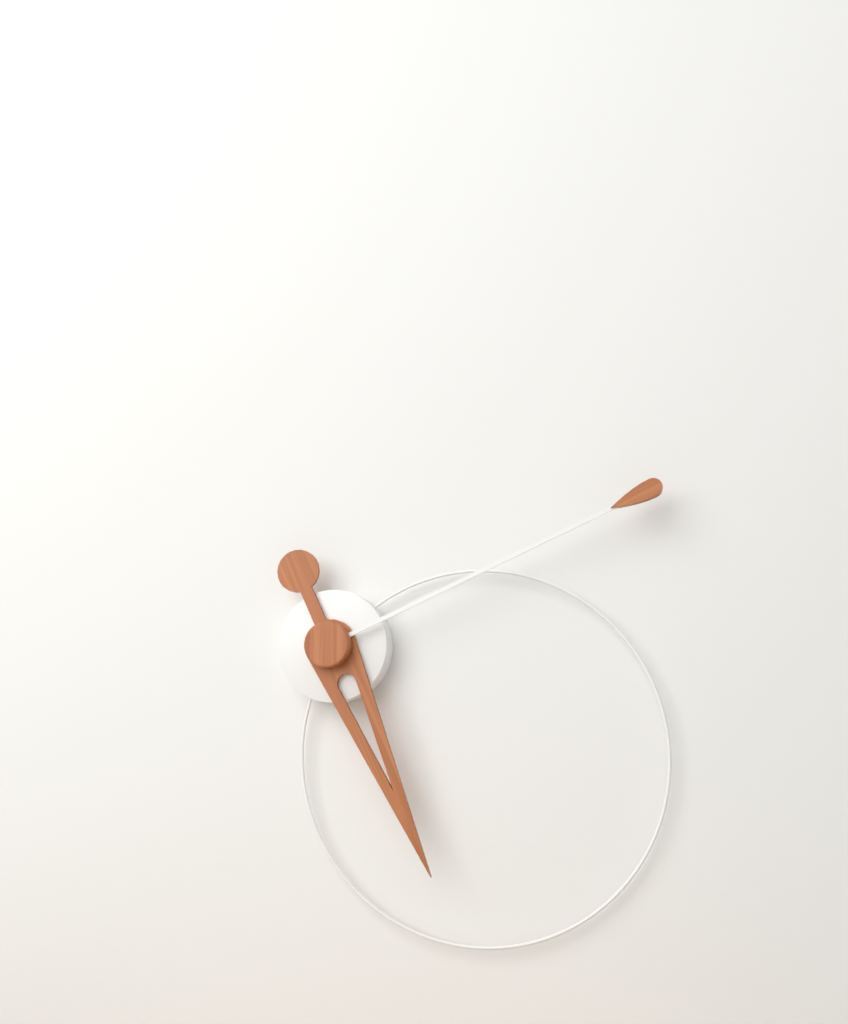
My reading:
h=5 m=11
